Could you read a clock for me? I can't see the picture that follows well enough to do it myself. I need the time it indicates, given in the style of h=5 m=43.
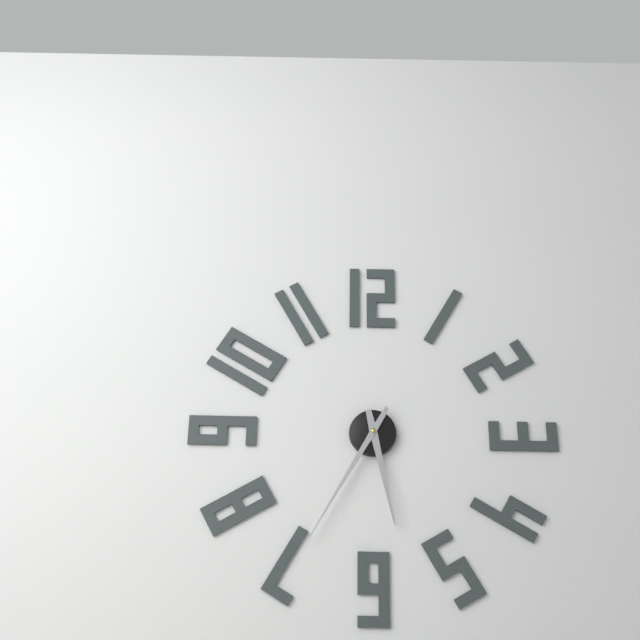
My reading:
h=5 m=35
